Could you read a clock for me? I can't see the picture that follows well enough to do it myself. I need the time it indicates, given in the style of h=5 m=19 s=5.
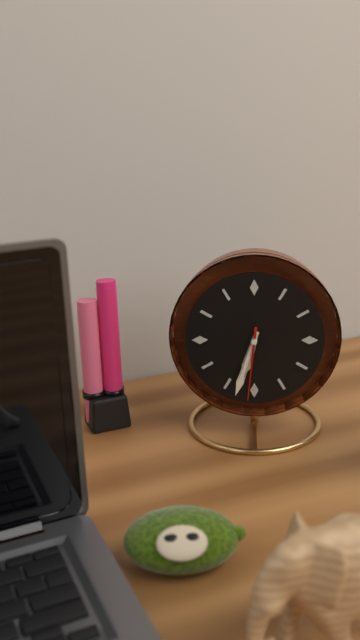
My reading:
h=6 m=33 s=31
